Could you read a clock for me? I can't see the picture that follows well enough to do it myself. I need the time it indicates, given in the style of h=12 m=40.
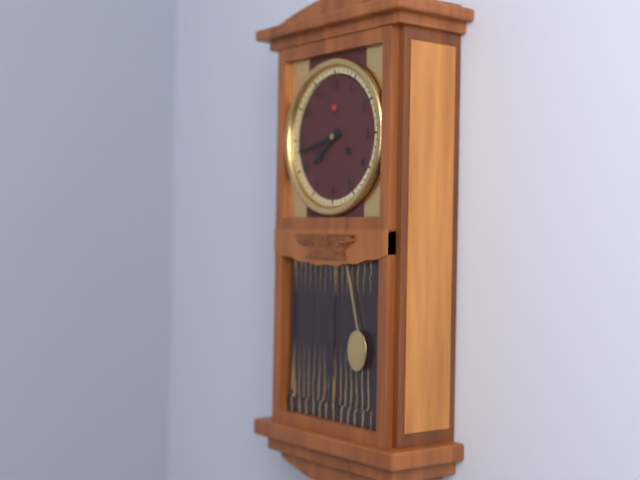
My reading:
h=7 m=43
